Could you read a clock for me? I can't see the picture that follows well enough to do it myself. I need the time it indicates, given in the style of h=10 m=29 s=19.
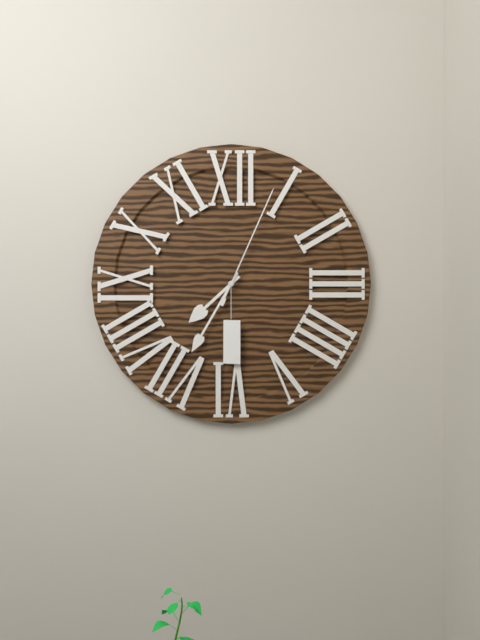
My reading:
h=7 m=35 s=4
